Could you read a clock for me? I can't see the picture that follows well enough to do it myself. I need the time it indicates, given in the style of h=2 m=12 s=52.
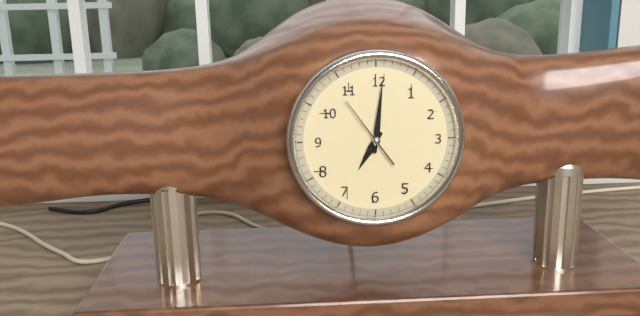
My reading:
h=7 m=1 s=54
